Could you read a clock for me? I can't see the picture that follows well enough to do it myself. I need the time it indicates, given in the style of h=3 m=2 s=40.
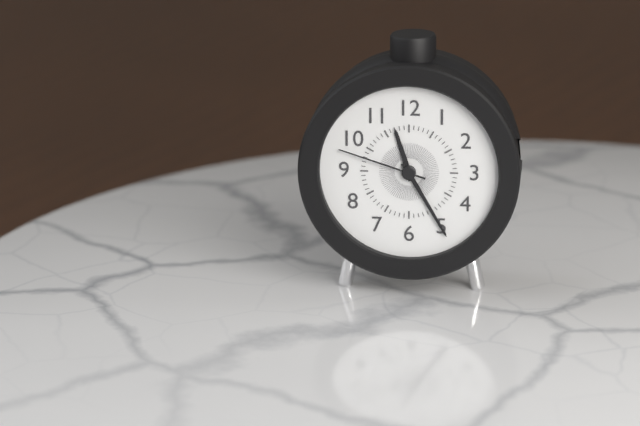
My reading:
h=11 m=25 s=48
